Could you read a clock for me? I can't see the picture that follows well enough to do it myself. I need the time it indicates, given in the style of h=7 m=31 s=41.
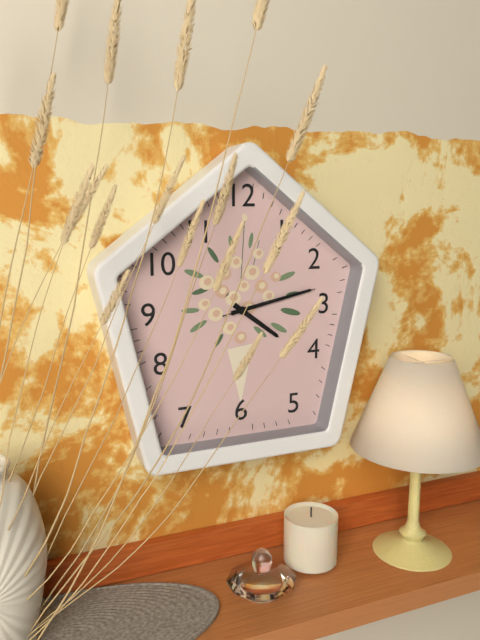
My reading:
h=4 m=13 s=13
